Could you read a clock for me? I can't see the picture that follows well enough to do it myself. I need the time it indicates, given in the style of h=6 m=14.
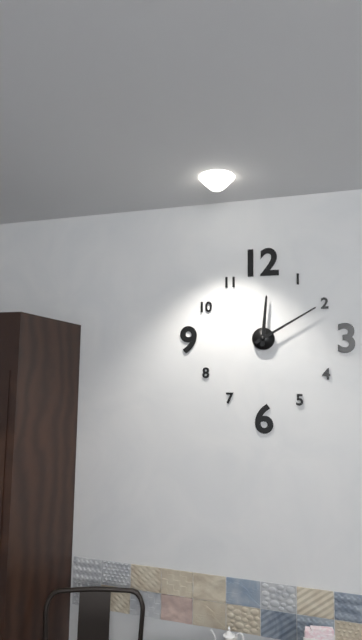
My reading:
h=12 m=10
